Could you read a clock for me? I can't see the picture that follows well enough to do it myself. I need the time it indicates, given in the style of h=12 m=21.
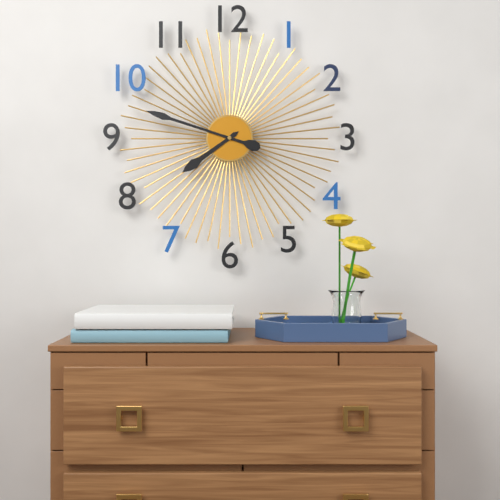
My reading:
h=7 m=48
